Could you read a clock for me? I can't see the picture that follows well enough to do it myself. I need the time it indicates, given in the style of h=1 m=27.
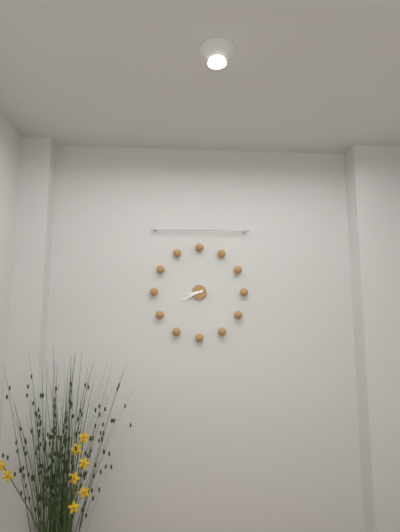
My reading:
h=8 m=41
